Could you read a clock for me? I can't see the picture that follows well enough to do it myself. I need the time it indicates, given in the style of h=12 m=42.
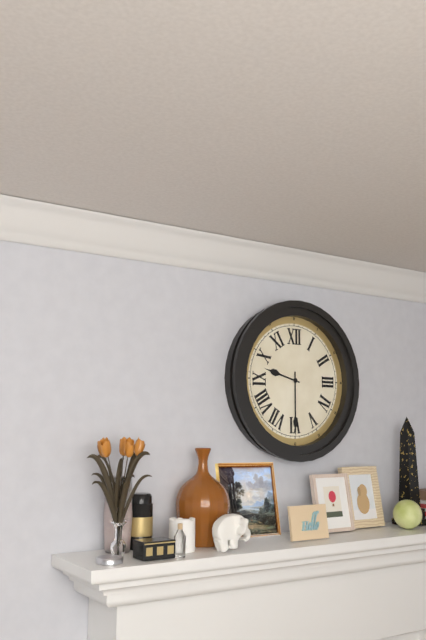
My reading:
h=9 m=30
